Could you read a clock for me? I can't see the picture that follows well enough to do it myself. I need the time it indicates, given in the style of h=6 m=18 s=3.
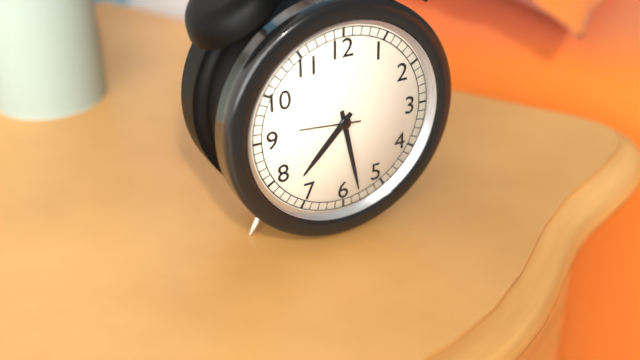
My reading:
h=7 m=28 s=46
